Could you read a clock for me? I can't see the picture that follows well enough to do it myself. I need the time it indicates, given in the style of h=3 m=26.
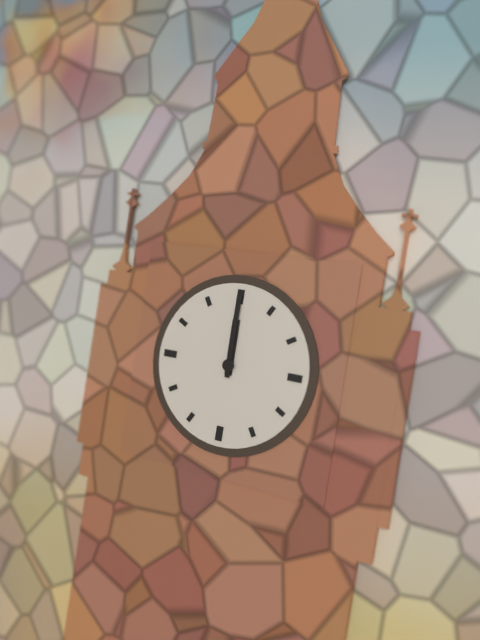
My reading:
h=12 m=0
